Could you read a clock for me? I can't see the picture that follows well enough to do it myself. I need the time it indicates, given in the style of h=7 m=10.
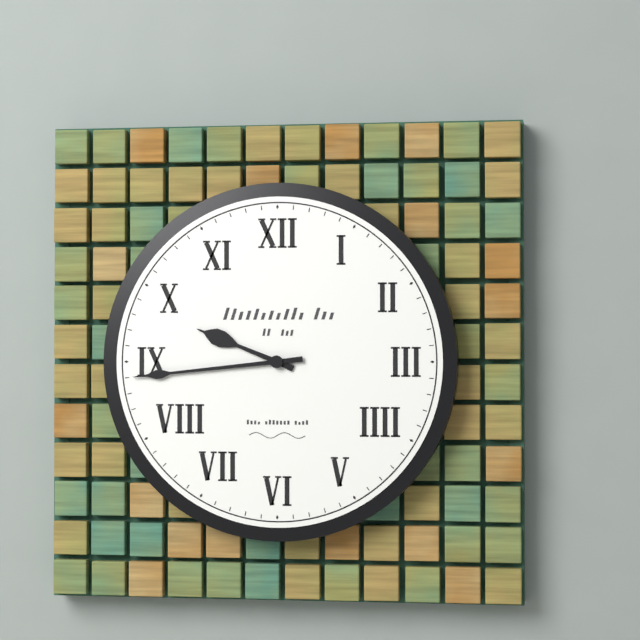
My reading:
h=9 m=44
